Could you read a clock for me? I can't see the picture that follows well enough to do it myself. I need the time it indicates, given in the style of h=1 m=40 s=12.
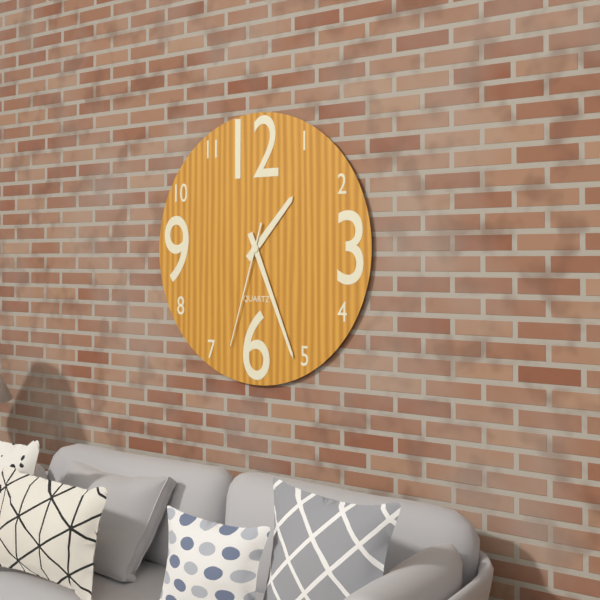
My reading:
h=1 m=26 s=33
